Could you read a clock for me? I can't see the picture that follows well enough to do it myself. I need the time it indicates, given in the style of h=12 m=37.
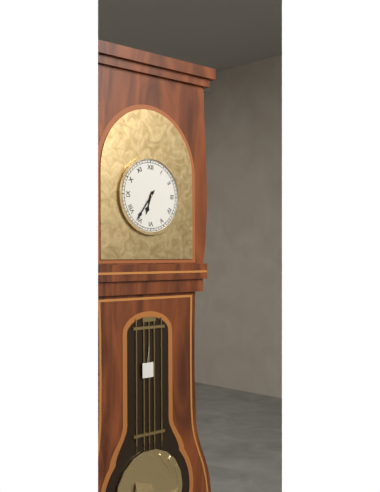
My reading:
h=6 m=36
